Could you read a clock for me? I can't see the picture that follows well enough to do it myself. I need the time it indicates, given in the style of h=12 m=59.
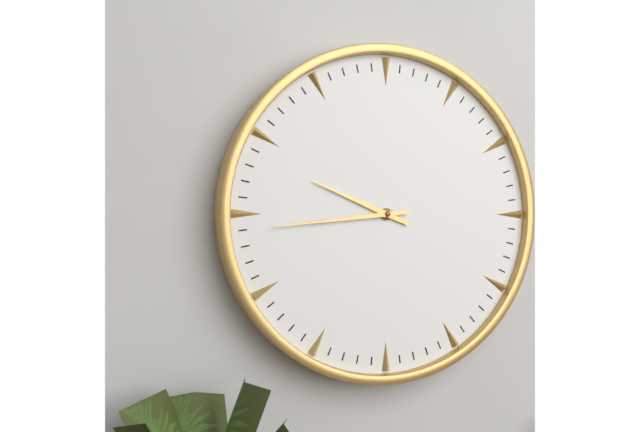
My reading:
h=9 m=44
